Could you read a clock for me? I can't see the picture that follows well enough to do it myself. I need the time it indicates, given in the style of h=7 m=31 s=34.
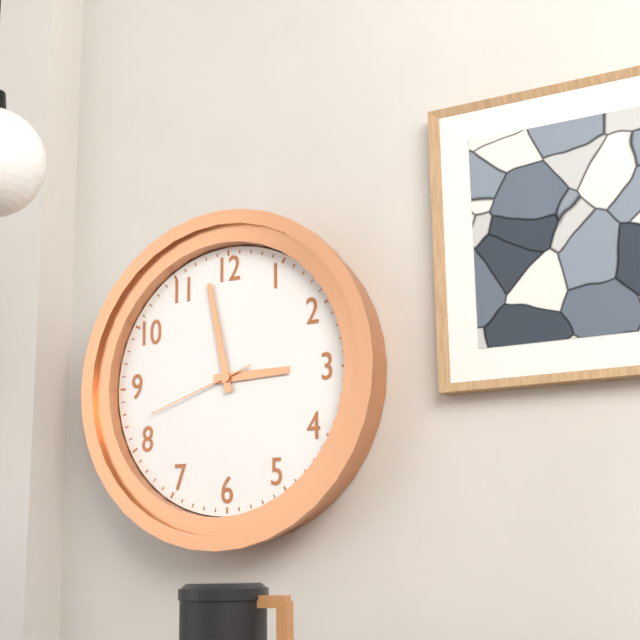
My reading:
h=2 m=58 s=42
